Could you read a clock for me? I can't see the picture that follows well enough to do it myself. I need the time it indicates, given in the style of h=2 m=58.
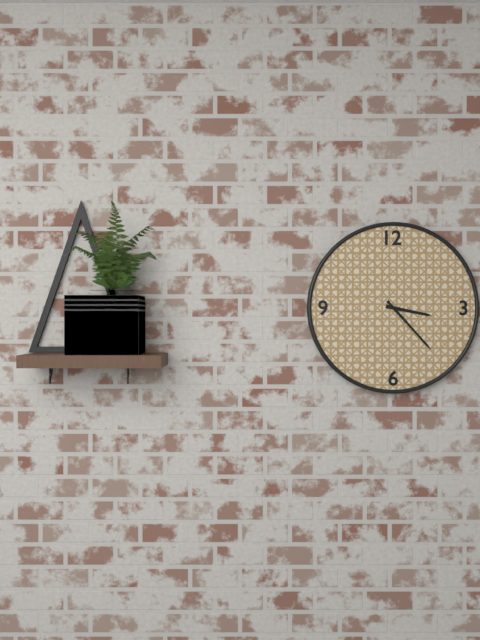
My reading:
h=3 m=23
